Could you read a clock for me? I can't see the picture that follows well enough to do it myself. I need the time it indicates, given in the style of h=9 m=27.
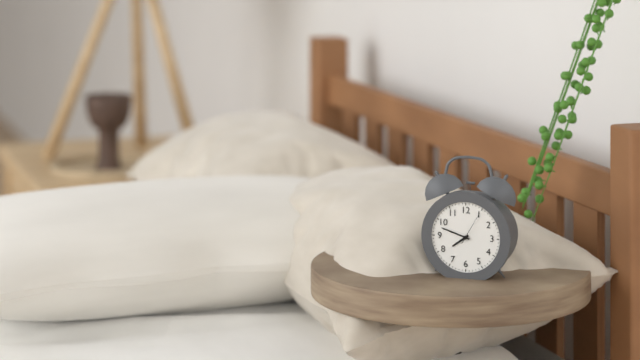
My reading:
h=7 m=48
